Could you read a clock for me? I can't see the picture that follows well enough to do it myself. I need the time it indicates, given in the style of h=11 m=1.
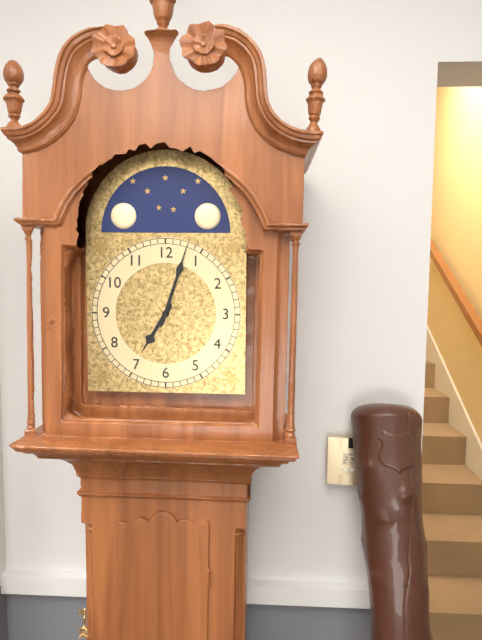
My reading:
h=7 m=3
